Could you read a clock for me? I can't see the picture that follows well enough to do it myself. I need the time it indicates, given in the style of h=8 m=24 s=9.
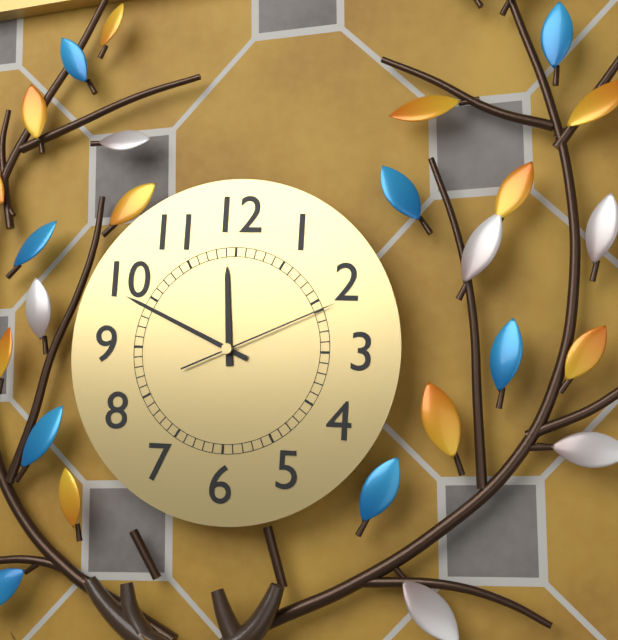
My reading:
h=11 m=49 s=11
